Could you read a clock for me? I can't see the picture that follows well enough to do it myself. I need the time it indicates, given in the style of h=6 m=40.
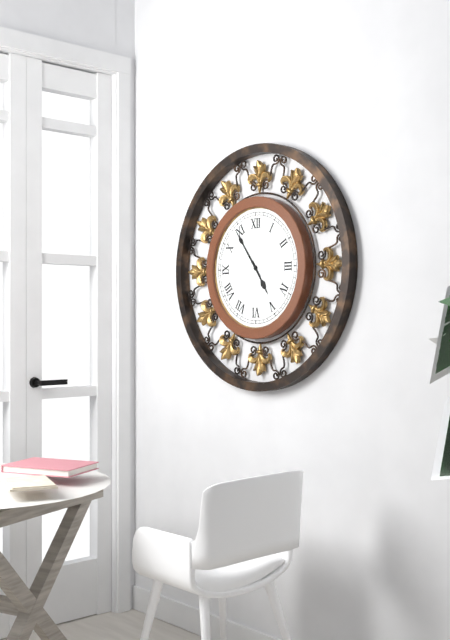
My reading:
h=4 m=54
